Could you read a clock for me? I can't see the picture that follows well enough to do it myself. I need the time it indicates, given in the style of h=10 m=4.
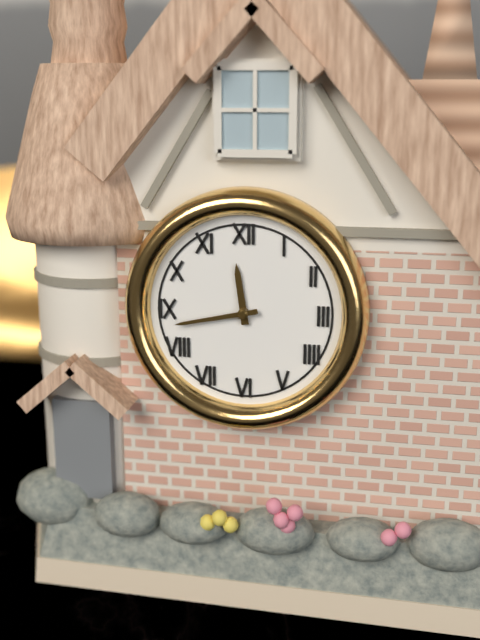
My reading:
h=11 m=43
